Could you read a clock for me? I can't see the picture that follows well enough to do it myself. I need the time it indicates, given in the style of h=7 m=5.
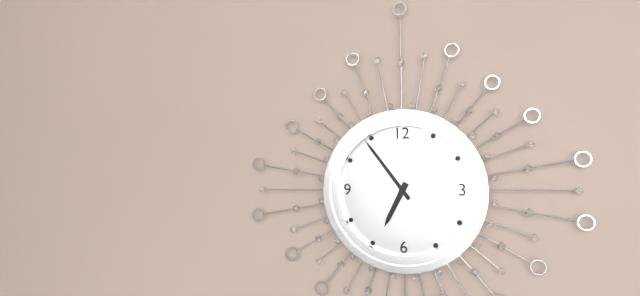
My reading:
h=6 m=54
